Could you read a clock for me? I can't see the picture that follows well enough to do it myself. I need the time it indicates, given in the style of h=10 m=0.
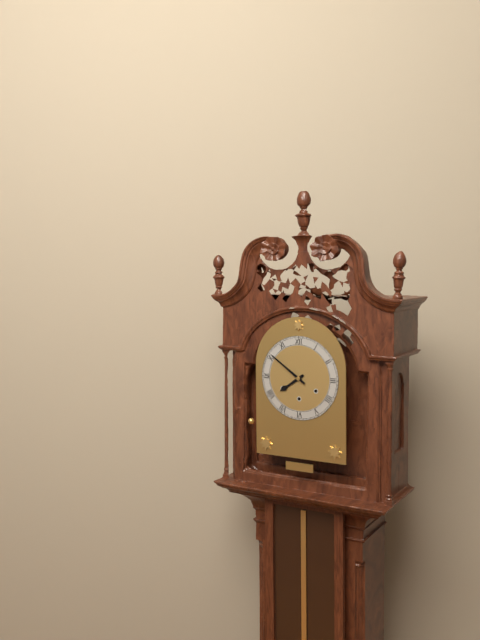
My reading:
h=7 m=51
